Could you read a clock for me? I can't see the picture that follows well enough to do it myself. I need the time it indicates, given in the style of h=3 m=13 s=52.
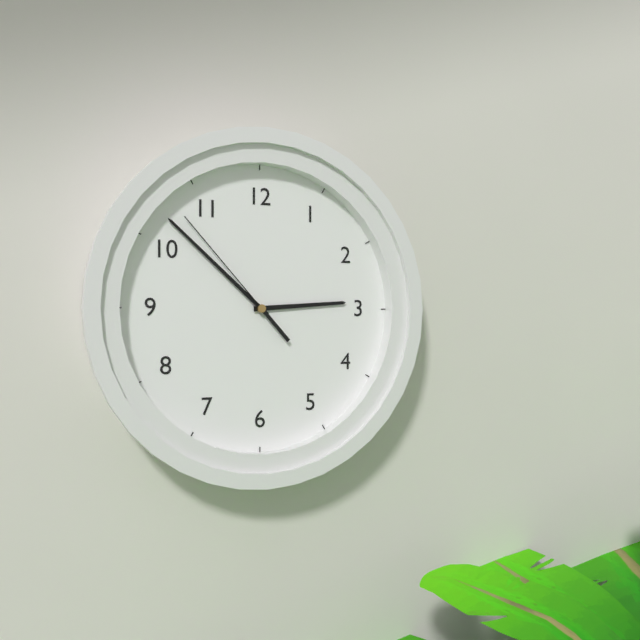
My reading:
h=2 m=52 s=53
